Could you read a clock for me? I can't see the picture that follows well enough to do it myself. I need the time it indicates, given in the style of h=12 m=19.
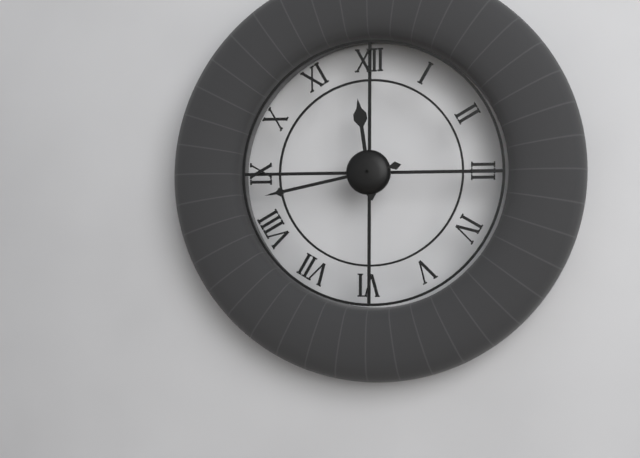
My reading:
h=11 m=43
